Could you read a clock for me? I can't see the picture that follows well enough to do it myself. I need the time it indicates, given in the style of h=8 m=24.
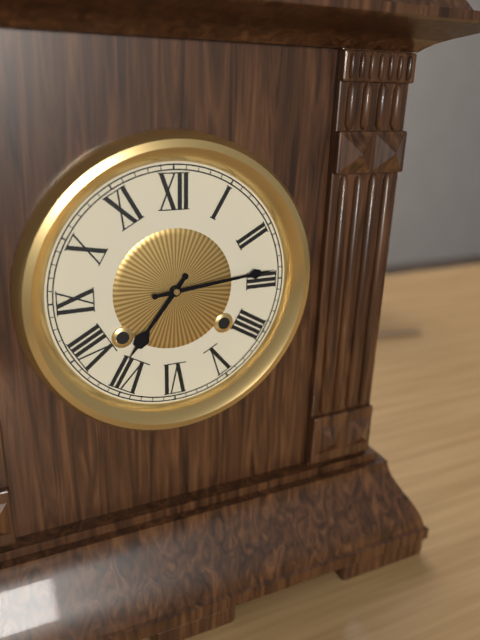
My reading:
h=7 m=14
